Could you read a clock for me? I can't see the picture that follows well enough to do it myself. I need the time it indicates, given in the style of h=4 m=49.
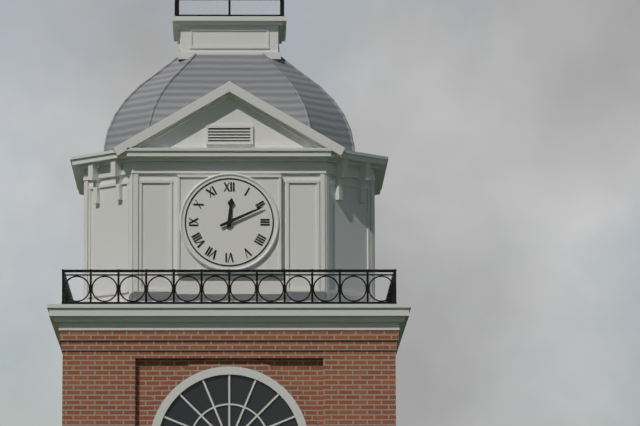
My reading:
h=12 m=11
